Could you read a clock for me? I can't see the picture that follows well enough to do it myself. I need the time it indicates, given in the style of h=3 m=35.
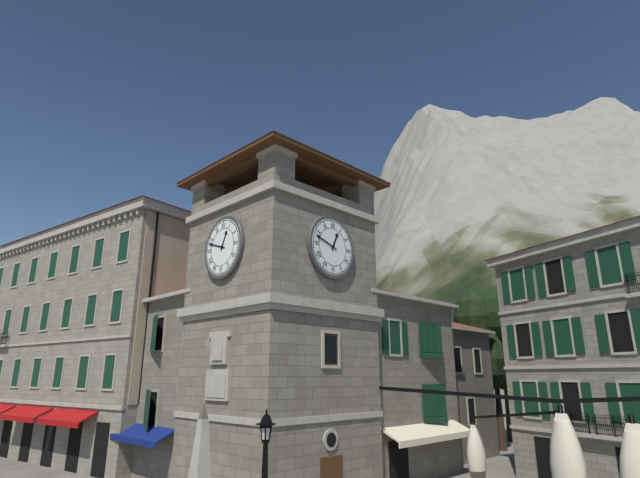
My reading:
h=12 m=48
